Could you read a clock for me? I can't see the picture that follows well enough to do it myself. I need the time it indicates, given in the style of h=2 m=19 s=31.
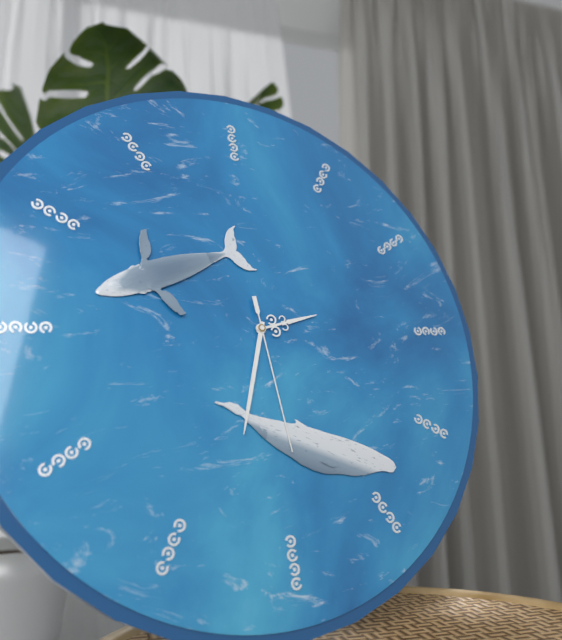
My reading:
h=2 m=33 s=29
